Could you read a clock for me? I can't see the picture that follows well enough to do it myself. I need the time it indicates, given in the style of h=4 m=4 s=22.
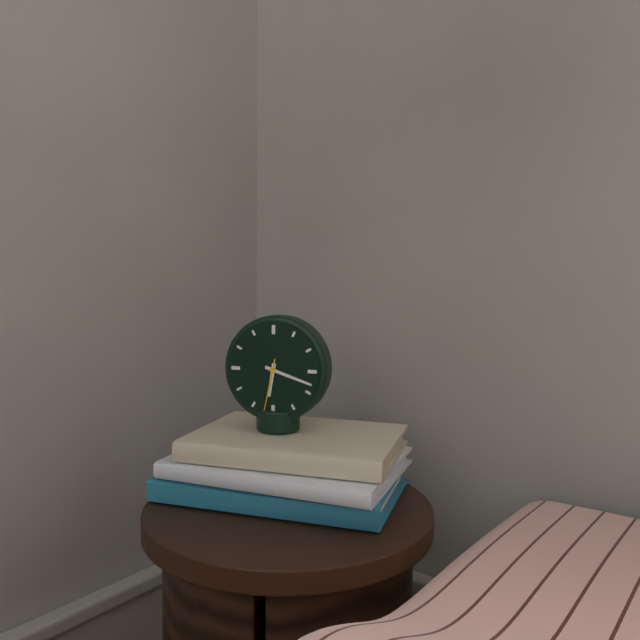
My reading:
h=6 m=18 s=32
